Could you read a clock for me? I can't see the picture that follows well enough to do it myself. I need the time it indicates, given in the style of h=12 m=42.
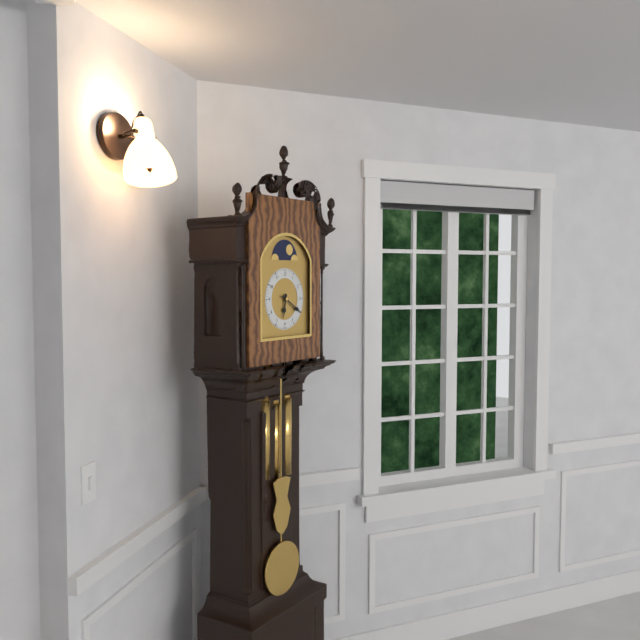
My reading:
h=6 m=20
